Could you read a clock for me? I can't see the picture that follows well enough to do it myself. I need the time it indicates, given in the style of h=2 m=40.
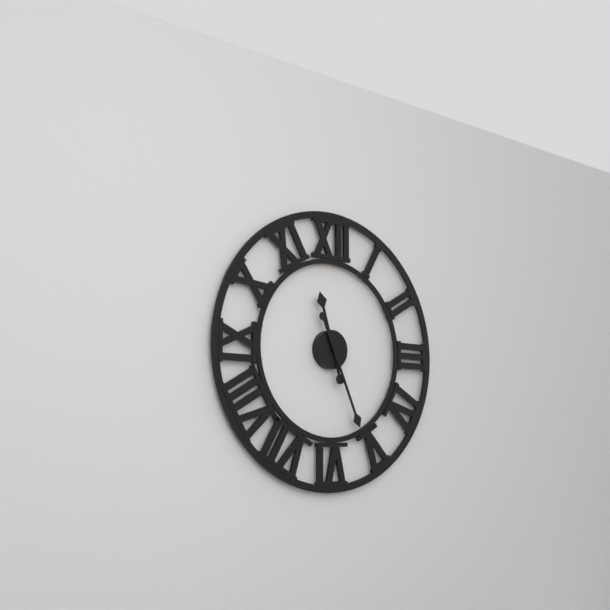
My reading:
h=11 m=26
